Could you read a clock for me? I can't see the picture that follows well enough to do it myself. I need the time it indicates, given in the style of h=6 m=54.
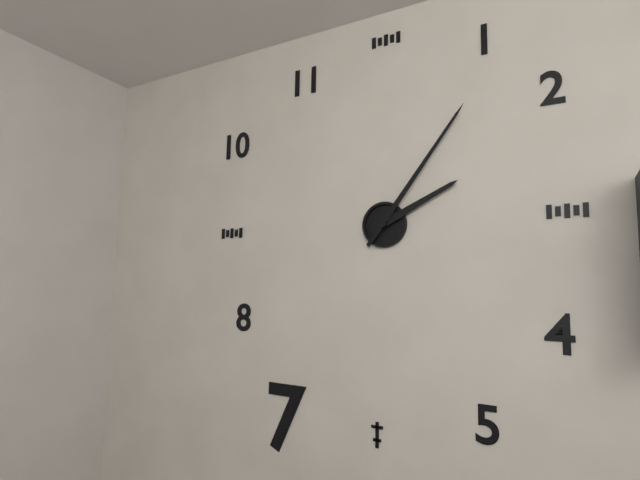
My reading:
h=2 m=6
